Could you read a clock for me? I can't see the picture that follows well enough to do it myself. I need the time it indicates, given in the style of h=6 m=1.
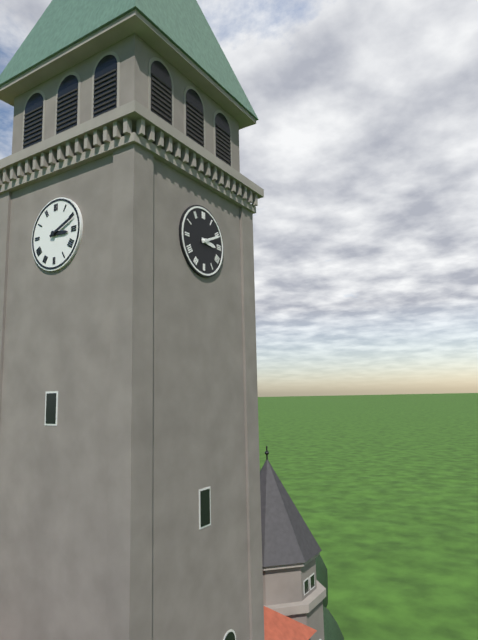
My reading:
h=3 m=11
